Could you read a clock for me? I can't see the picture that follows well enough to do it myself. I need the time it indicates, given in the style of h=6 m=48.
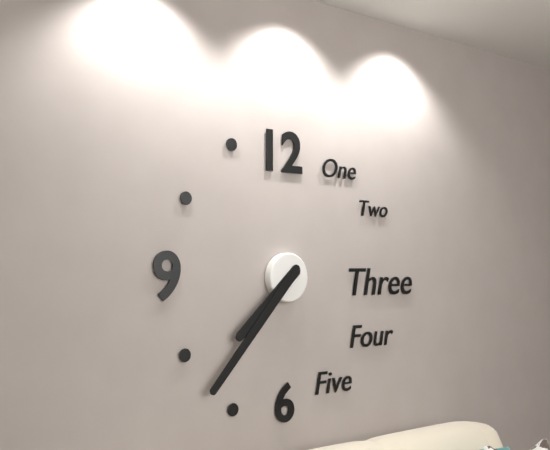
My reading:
h=7 m=37
